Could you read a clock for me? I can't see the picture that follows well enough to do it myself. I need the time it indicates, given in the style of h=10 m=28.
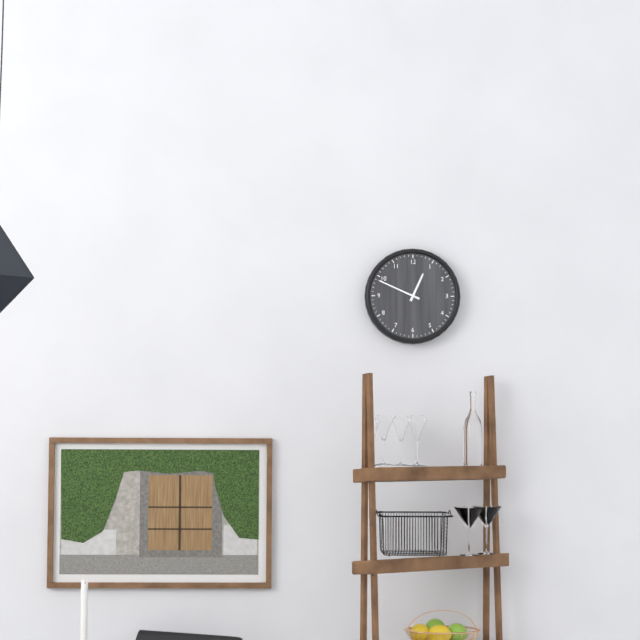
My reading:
h=12 m=49
